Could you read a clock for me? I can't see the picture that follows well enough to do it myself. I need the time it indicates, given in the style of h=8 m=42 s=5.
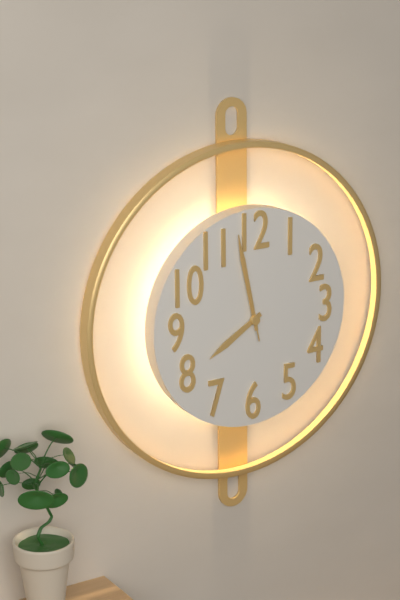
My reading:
h=7 m=58 s=58
